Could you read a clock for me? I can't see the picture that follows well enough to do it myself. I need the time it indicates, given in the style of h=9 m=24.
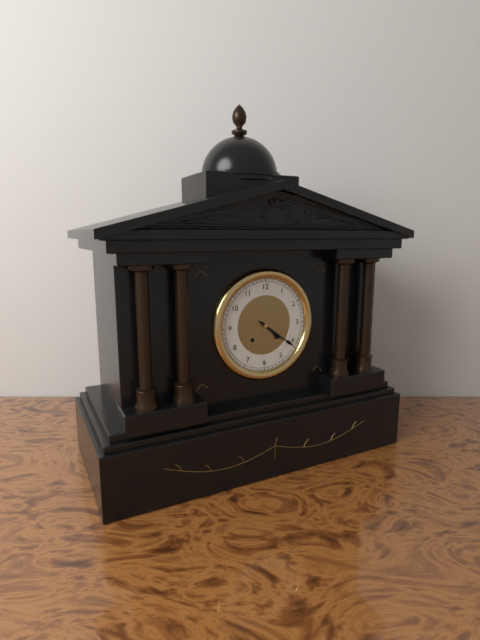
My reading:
h=4 m=21
